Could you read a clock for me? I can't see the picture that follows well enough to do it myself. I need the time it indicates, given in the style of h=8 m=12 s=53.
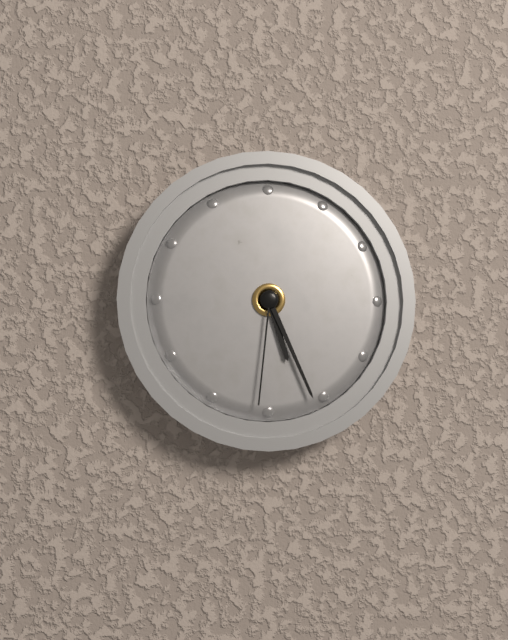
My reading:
h=5 m=26 s=31
